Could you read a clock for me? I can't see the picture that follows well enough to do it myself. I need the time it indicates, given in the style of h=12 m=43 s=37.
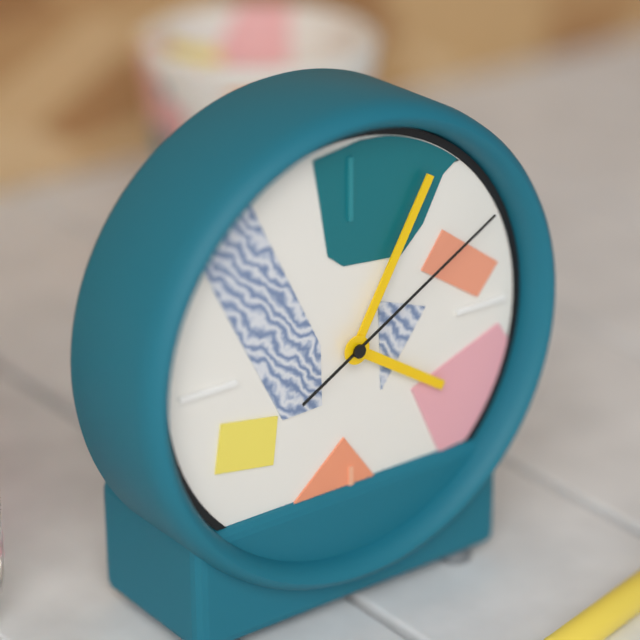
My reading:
h=4 m=5 s=10
